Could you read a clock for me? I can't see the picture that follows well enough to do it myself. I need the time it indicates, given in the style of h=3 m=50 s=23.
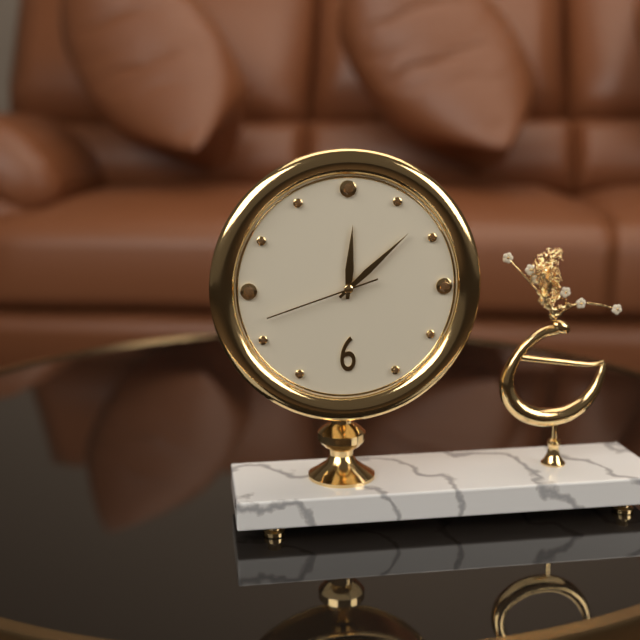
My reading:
h=12 m=8 s=42
